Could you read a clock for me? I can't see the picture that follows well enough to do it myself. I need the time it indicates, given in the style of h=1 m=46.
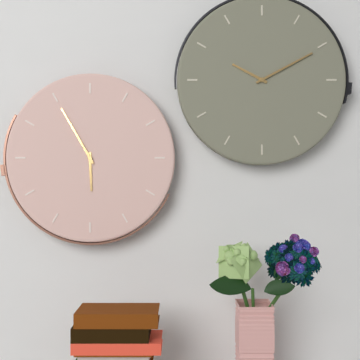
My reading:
h=5 m=55
